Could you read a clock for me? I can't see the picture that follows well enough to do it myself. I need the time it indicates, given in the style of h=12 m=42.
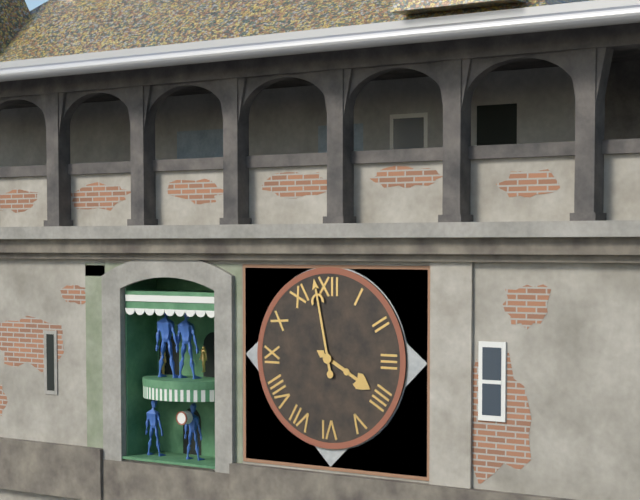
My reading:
h=3 m=58
